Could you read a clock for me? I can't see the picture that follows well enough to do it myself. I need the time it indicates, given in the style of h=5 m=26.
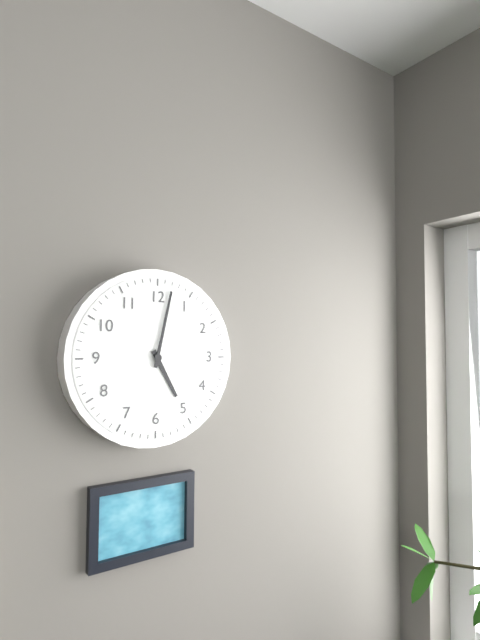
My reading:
h=5 m=2
